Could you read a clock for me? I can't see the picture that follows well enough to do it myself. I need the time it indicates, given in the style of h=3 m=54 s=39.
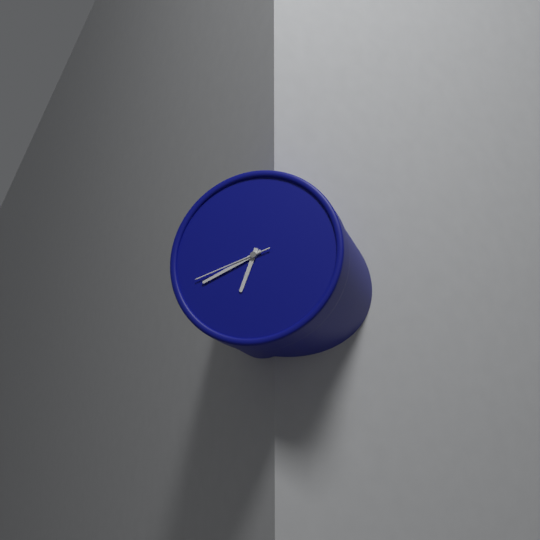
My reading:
h=6 m=41 s=42
